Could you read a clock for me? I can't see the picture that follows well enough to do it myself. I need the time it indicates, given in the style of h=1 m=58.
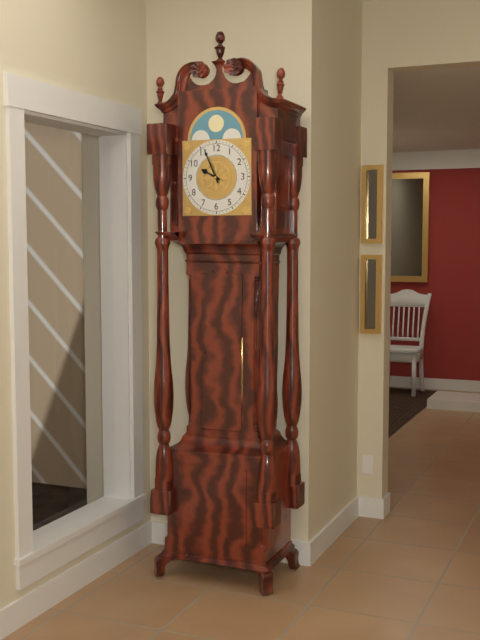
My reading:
h=9 m=56
